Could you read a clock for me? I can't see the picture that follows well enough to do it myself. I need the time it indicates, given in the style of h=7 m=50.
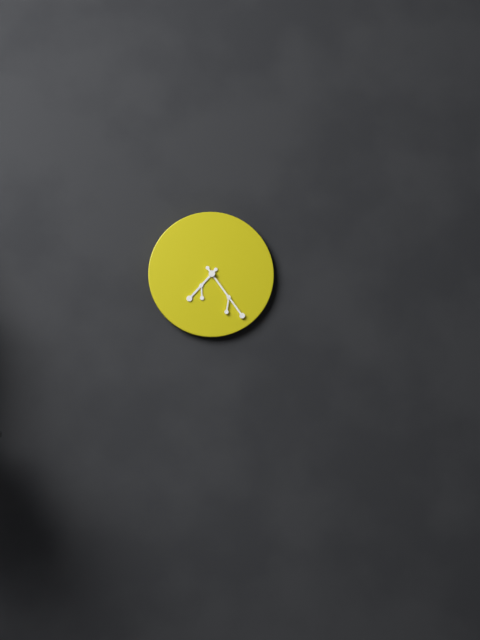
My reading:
h=7 m=24
